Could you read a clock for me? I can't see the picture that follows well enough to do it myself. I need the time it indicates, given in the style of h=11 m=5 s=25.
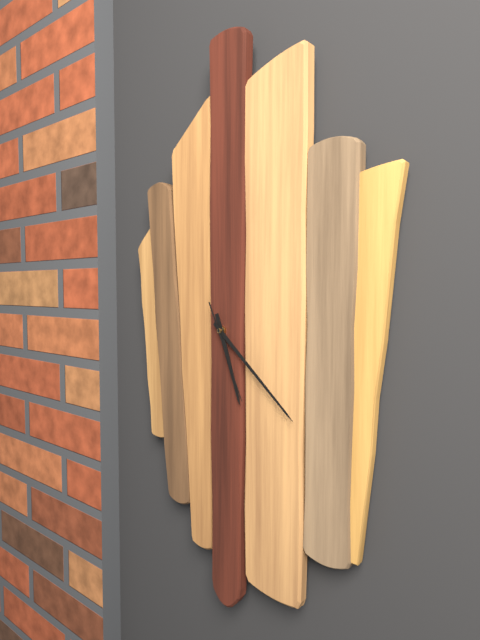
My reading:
h=5 m=22 s=26
